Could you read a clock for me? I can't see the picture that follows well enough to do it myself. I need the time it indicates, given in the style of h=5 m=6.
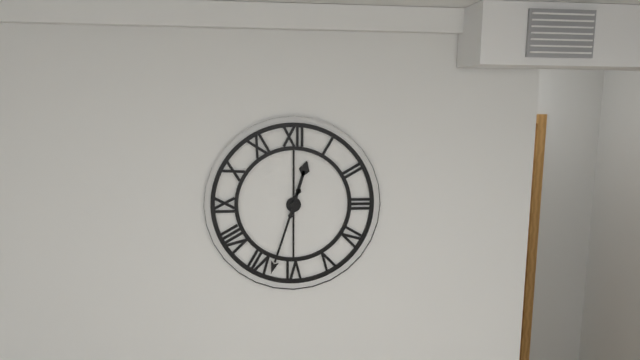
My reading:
h=12 m=33
